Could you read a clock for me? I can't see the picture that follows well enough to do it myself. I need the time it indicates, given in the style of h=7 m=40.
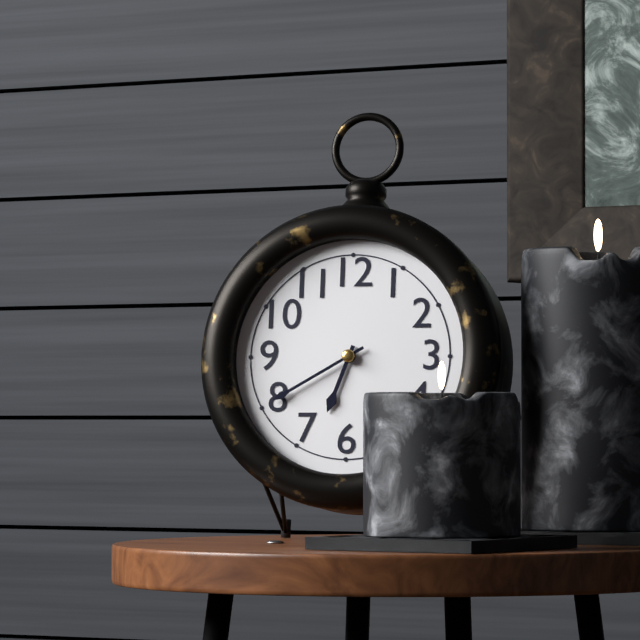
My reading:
h=6 m=40
